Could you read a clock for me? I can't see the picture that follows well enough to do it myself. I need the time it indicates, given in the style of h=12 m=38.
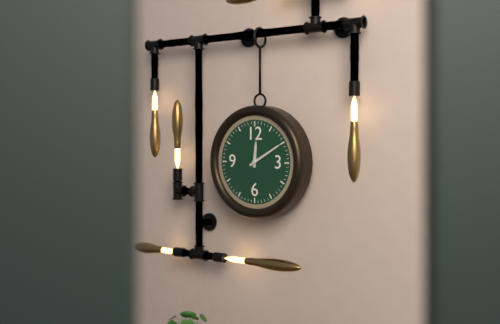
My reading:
h=12 m=10
